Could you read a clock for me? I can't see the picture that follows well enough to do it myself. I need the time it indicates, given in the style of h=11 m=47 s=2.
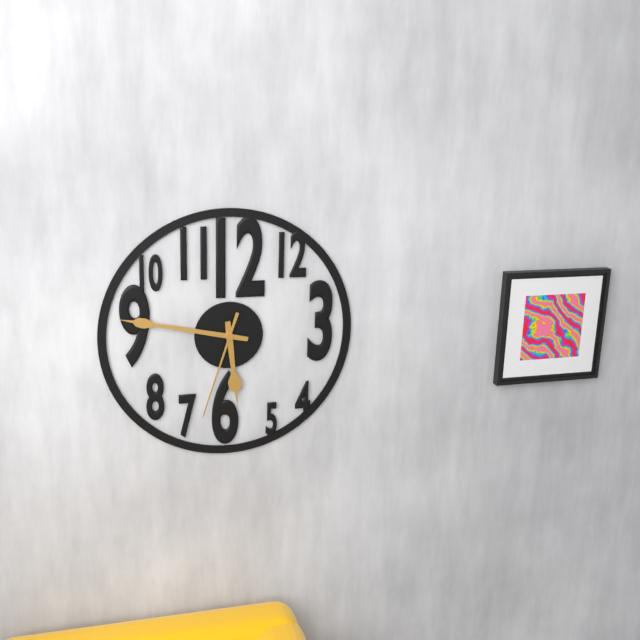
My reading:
h=5 m=47 s=33
